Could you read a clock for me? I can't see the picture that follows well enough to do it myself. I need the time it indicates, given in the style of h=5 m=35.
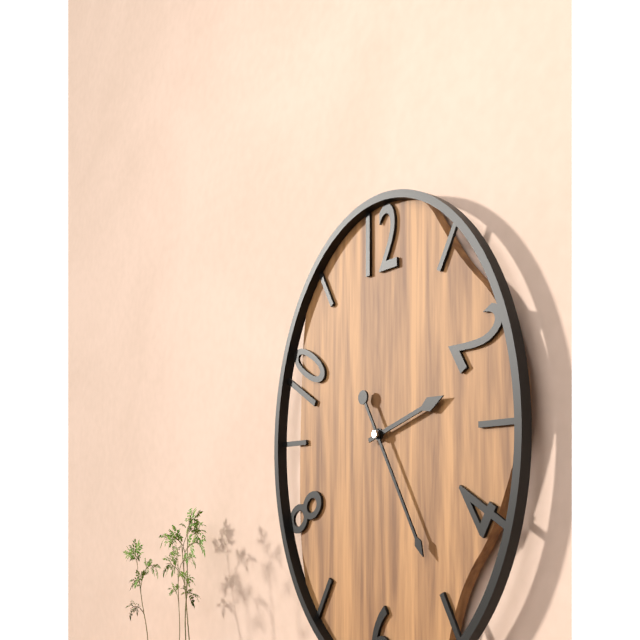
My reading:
h=2 m=25
